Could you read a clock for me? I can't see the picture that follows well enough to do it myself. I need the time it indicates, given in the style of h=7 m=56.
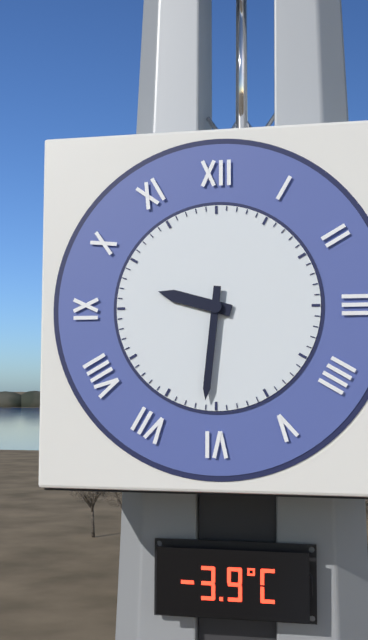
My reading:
h=9 m=31
